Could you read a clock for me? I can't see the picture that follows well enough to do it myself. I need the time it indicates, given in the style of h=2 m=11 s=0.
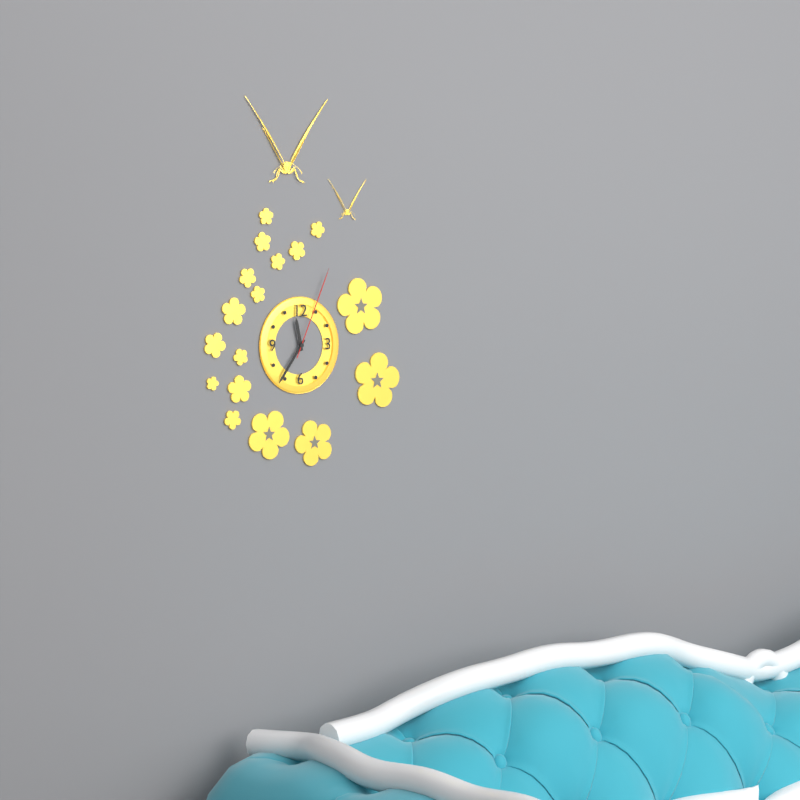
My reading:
h=11 m=36 s=4
